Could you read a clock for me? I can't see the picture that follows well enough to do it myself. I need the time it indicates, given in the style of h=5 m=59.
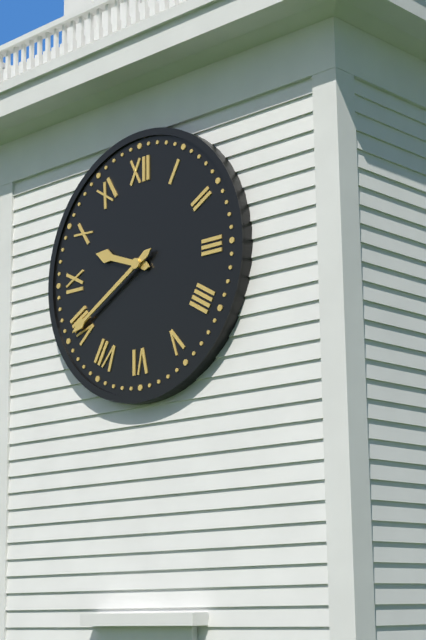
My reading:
h=9 m=40
